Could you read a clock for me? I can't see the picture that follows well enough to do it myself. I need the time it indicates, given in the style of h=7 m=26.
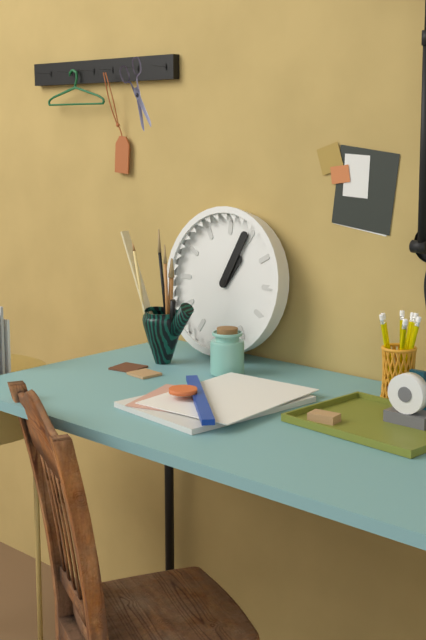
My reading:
h=1 m=4
